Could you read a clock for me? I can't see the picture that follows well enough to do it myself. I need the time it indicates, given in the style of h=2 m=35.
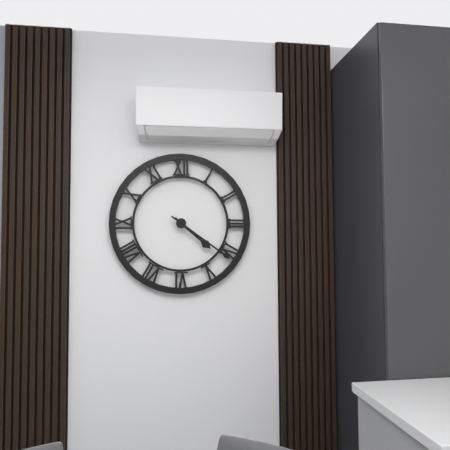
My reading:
h=4 m=21
